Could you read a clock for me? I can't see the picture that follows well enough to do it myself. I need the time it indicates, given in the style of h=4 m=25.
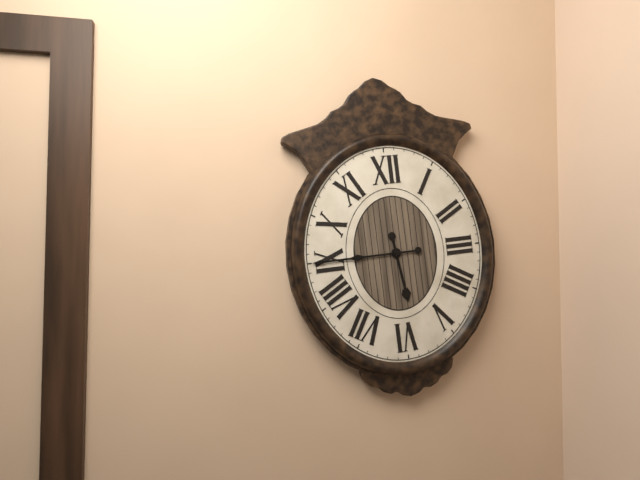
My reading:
h=5 m=45
